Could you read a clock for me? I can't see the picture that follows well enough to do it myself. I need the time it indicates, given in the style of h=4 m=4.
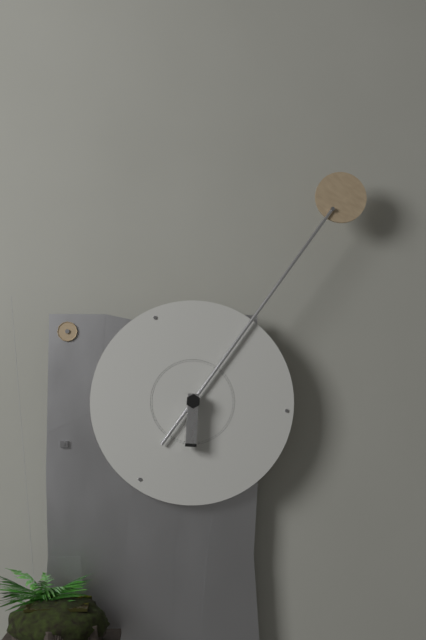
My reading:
h=6 m=6
